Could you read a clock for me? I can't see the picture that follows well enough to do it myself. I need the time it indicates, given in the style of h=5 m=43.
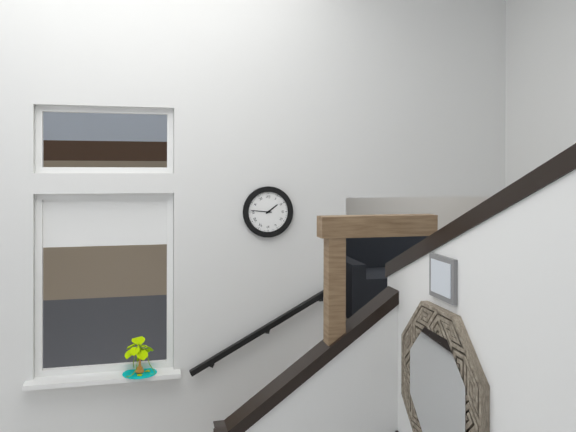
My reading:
h=1 m=46
